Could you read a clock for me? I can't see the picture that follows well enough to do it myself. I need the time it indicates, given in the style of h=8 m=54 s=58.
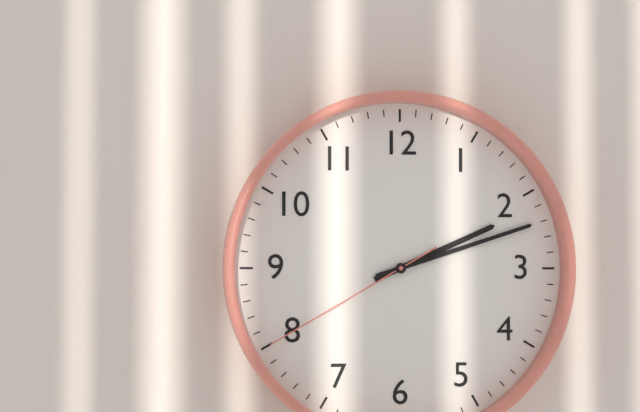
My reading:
h=2 m=12 s=40
